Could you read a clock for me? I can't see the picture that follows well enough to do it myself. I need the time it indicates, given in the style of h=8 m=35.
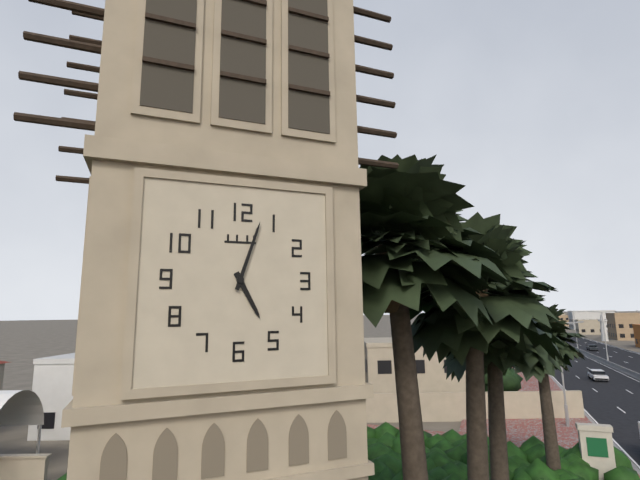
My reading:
h=5 m=3
